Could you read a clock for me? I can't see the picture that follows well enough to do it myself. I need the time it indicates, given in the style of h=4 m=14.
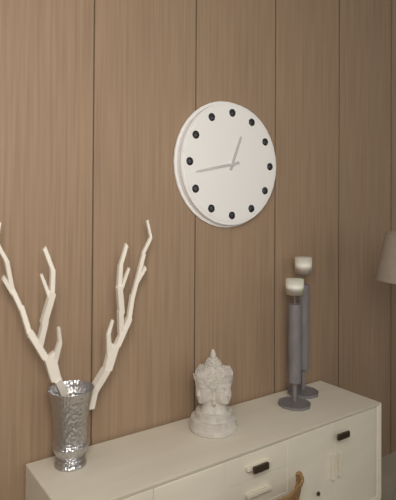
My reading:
h=12 m=43
